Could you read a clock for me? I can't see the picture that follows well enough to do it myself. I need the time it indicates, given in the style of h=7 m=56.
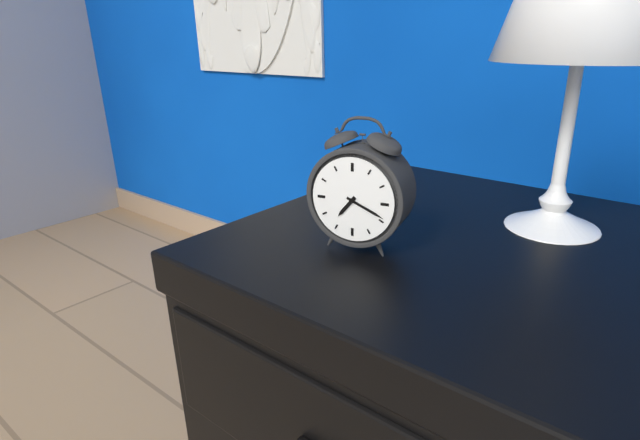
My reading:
h=7 m=19
